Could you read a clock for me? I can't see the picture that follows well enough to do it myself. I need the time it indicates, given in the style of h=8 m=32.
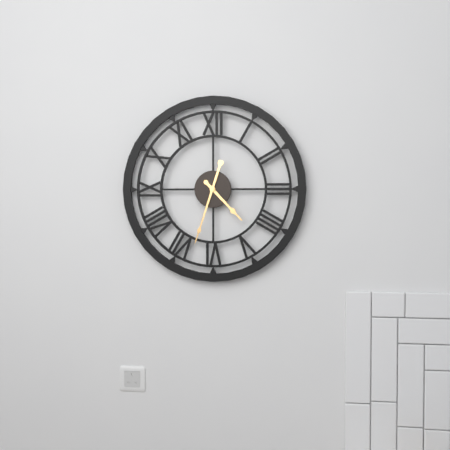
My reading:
h=4 m=33
